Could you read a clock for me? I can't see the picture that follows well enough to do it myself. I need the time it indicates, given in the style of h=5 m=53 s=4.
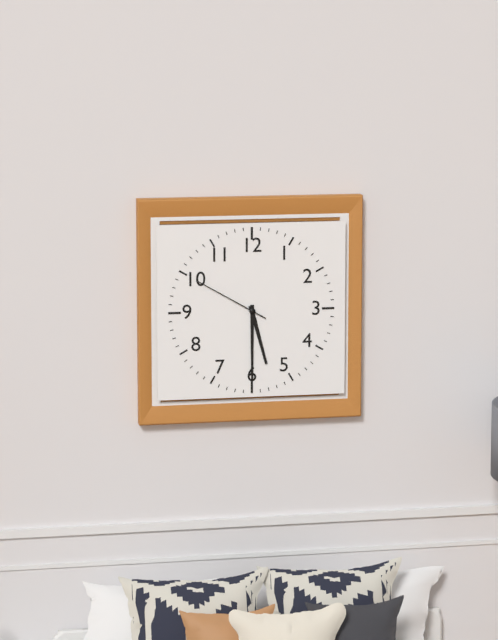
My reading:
h=5 m=30 s=50
